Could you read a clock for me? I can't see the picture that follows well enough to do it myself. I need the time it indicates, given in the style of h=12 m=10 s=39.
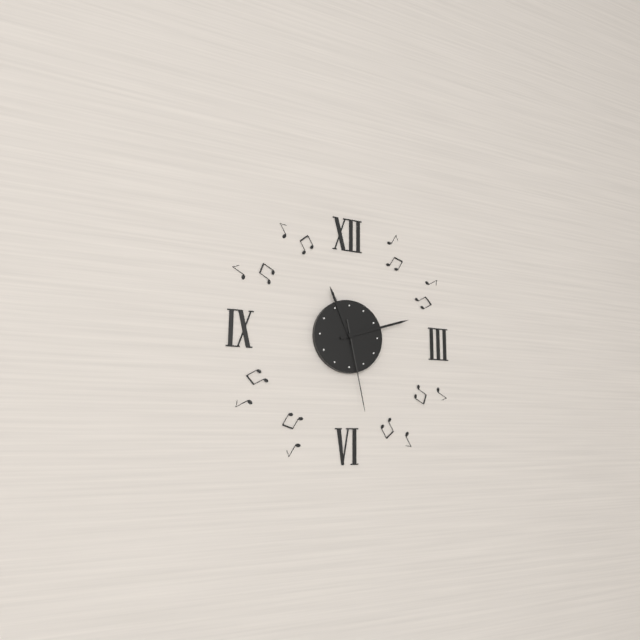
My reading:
h=11 m=12 s=28
